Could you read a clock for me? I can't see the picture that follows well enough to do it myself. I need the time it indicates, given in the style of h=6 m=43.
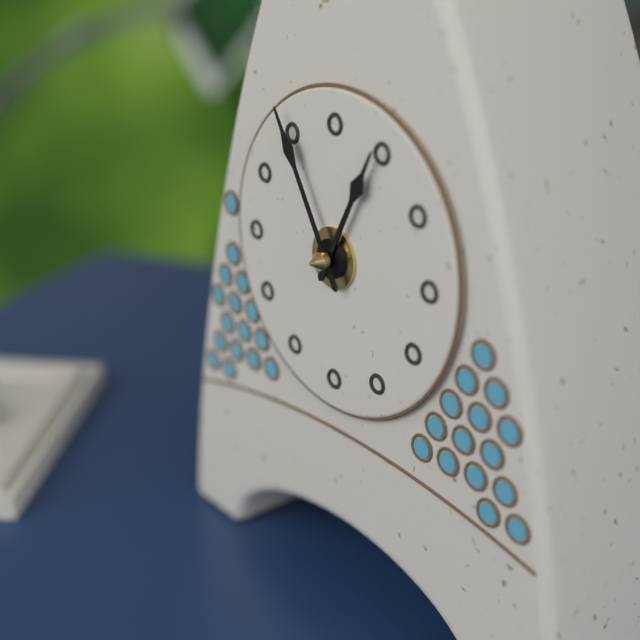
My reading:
h=12 m=55
